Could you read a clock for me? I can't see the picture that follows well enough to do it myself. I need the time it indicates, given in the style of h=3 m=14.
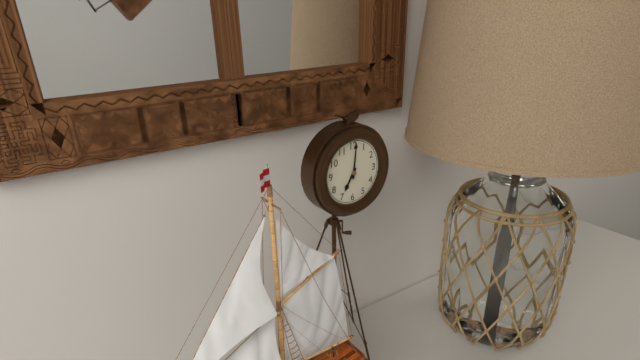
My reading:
h=7 m=1
